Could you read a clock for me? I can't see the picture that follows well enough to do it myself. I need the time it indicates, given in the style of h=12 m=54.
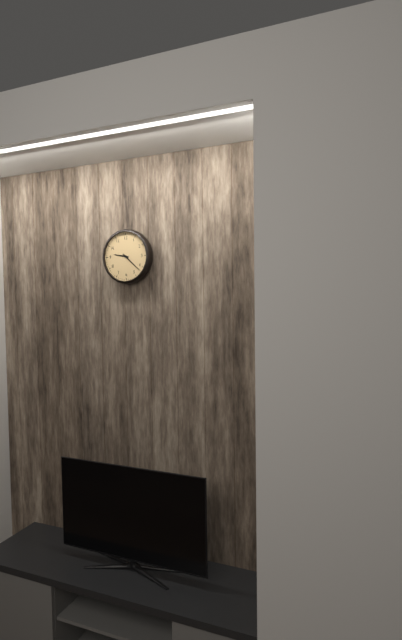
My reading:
h=9 m=22
